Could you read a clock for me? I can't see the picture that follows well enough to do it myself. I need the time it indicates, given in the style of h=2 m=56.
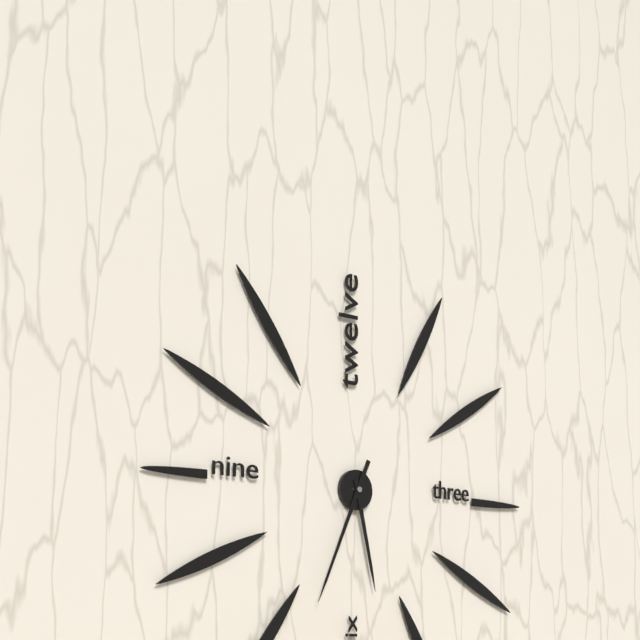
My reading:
h=5 m=34
